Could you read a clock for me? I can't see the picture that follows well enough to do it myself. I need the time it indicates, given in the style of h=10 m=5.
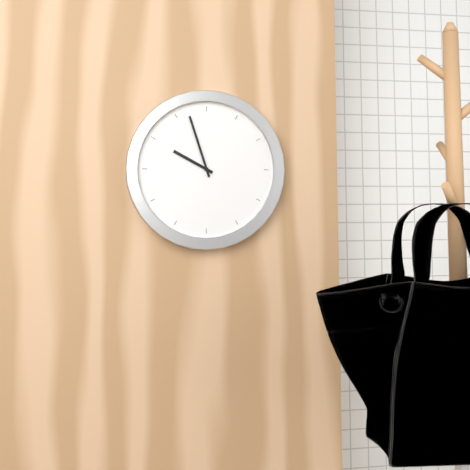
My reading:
h=9 m=57
